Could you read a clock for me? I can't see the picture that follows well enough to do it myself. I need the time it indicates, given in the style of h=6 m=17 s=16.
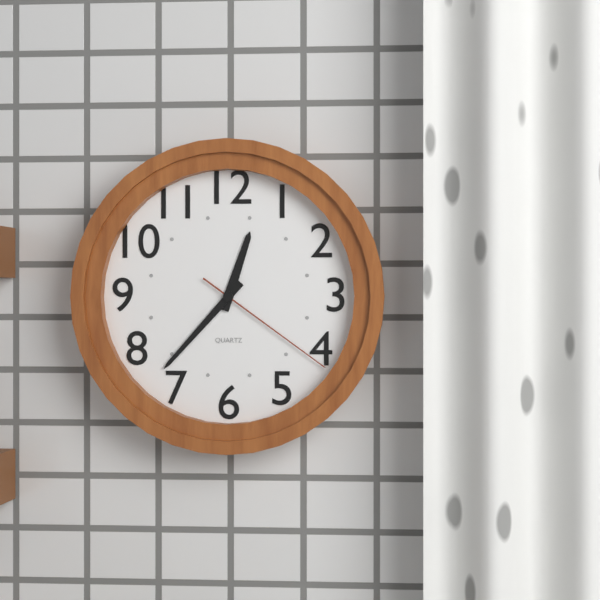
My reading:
h=12 m=37 s=21
